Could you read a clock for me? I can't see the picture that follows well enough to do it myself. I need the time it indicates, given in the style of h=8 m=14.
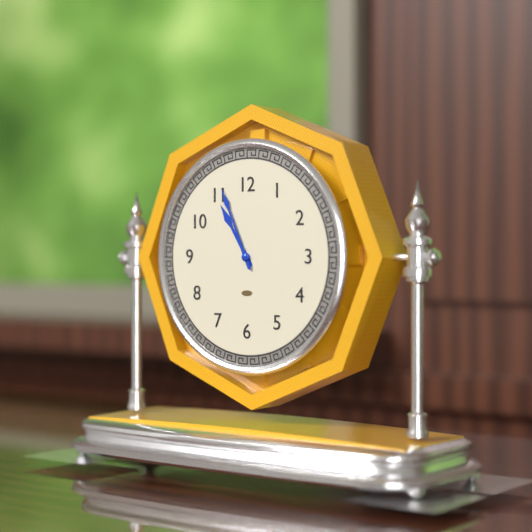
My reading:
h=10 m=56
